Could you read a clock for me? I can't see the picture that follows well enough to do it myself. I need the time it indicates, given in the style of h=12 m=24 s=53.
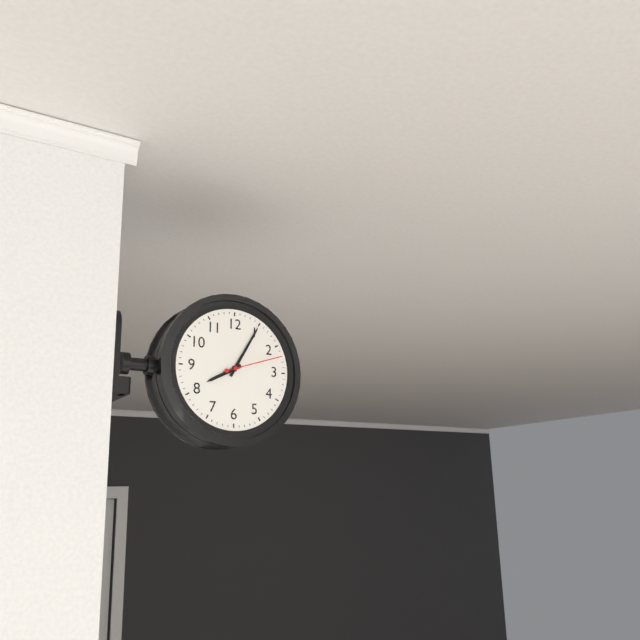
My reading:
h=8 m=5 s=12
